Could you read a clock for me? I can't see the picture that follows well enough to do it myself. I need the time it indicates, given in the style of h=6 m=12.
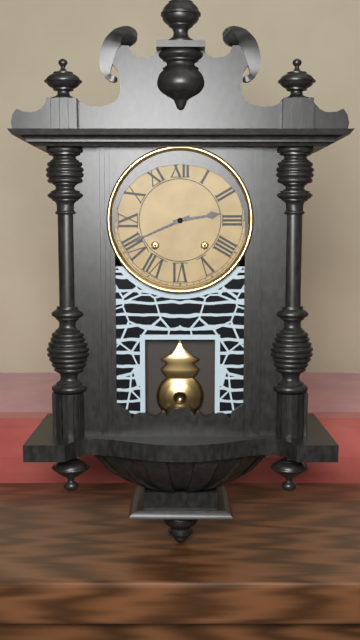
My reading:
h=2 m=41
